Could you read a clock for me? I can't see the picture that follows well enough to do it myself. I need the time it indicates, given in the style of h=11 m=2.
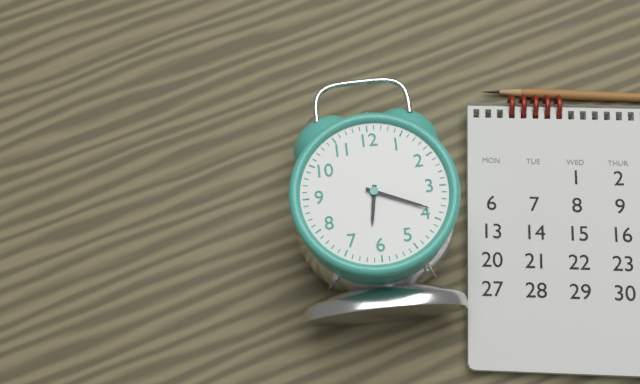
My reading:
h=6 m=19
